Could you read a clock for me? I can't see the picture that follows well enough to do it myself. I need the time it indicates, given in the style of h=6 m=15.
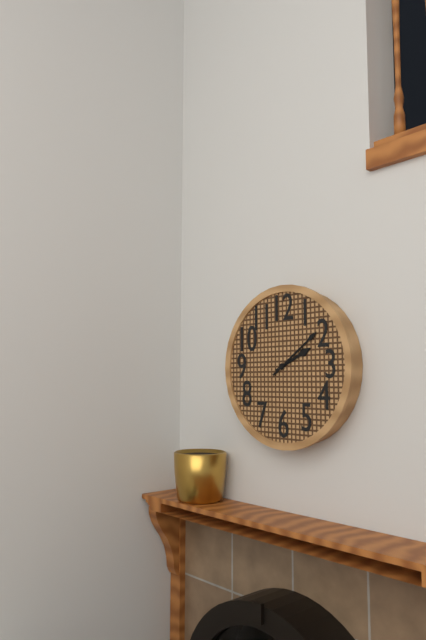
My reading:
h=2 m=9
